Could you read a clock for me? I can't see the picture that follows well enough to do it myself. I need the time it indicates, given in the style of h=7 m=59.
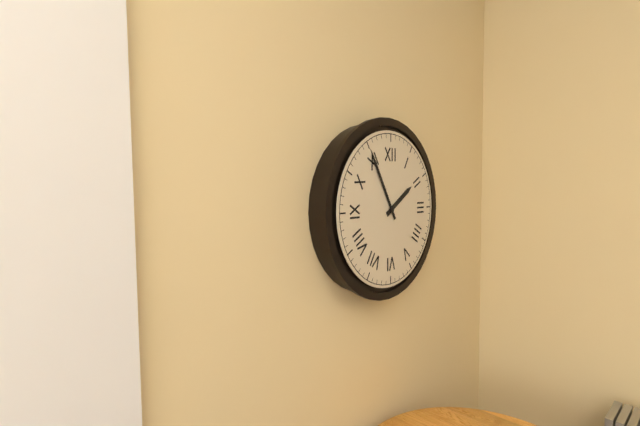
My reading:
h=1 m=55
